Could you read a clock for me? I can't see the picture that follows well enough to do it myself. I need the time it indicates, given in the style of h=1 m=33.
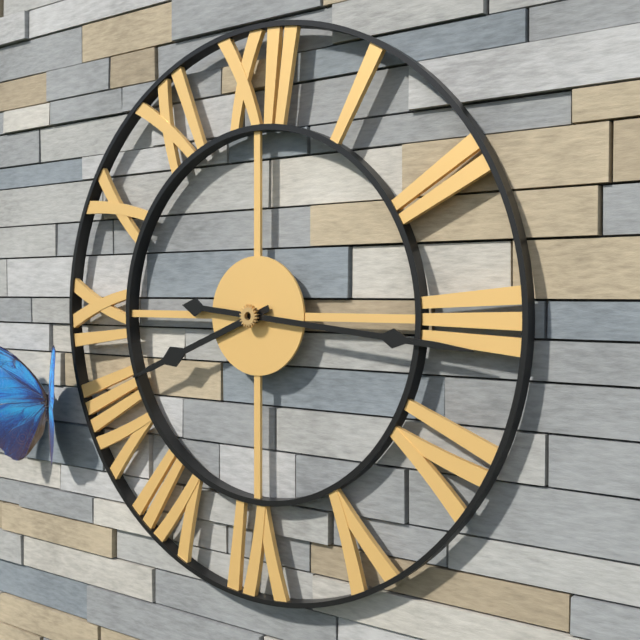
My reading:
h=8 m=16
